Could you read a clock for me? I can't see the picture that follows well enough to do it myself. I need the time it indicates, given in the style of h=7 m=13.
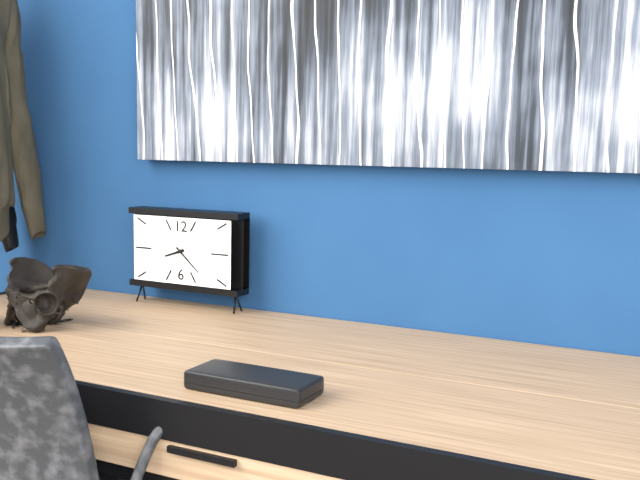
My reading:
h=8 m=22
